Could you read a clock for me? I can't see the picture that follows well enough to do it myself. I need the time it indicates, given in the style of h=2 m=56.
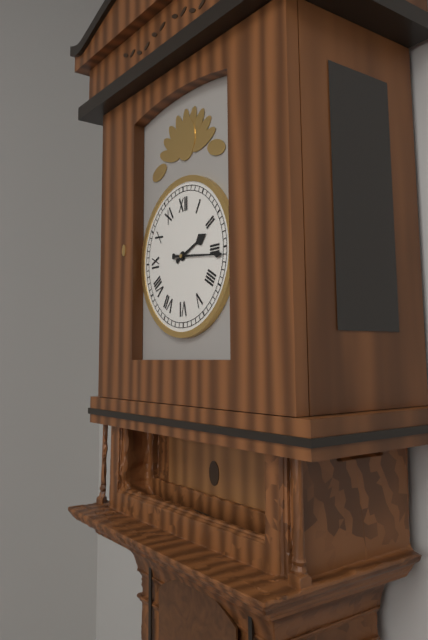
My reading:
h=2 m=16
